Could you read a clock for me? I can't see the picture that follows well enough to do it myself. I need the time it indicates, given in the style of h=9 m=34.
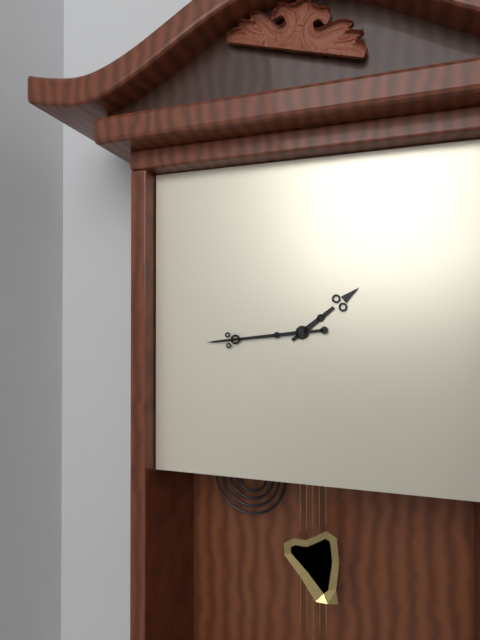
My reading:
h=1 m=44
